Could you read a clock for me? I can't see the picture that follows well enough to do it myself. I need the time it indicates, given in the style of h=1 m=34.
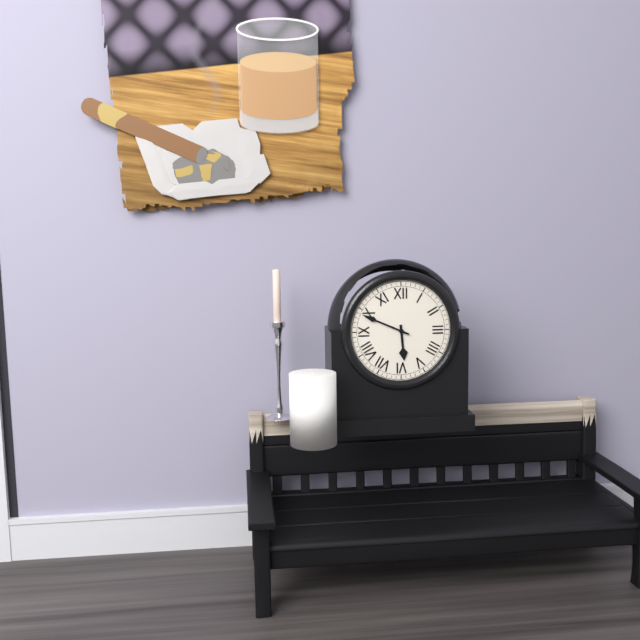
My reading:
h=5 m=49
